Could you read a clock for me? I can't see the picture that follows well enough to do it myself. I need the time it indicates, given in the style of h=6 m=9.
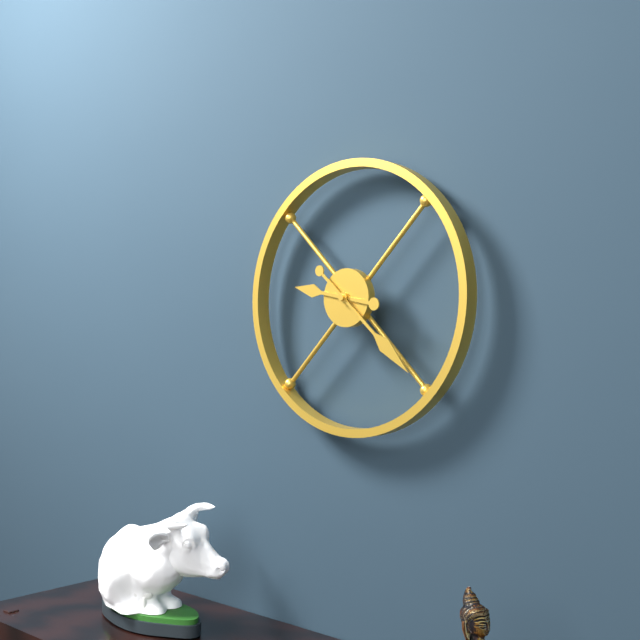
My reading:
h=9 m=22
